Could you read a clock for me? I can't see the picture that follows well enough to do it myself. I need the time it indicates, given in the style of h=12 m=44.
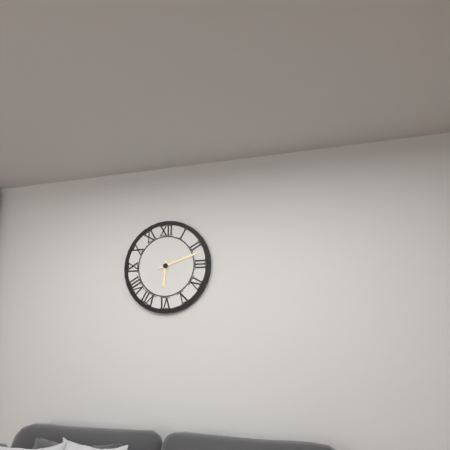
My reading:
h=6 m=12
